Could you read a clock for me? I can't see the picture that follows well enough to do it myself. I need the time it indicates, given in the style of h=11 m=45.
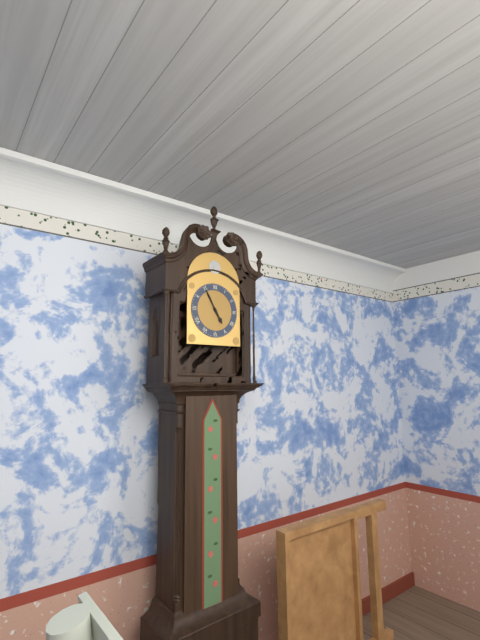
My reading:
h=4 m=55
